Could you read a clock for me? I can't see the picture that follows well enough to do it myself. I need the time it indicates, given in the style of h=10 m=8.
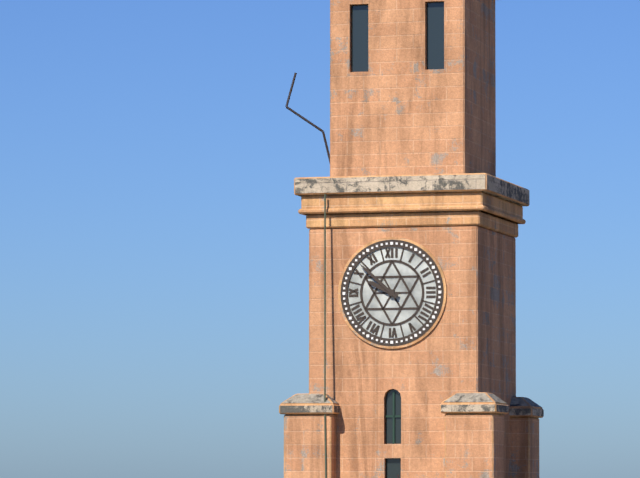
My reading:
h=9 m=52
